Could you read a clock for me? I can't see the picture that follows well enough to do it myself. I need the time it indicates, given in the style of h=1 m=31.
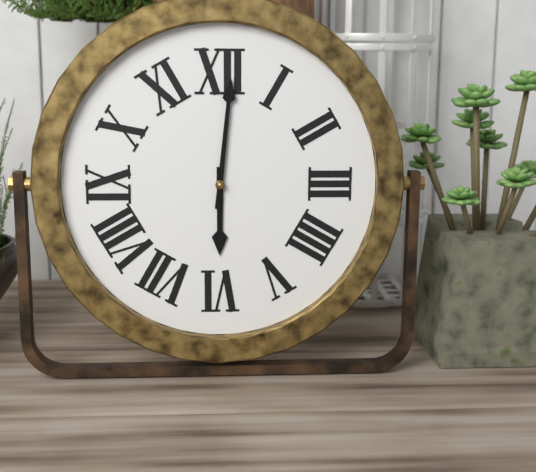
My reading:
h=6 m=1
